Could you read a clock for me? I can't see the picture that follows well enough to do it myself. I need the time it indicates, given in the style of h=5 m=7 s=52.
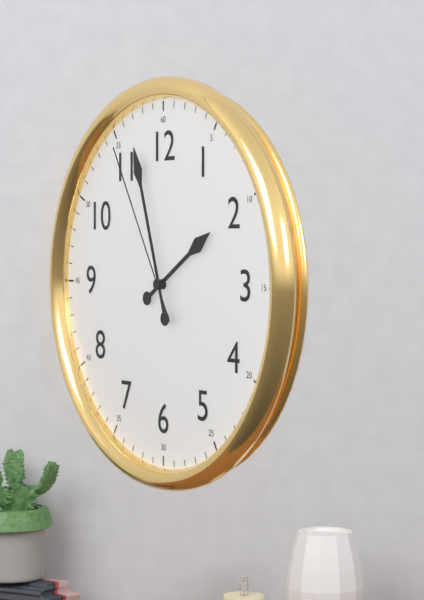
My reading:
h=1 m=57 s=55
